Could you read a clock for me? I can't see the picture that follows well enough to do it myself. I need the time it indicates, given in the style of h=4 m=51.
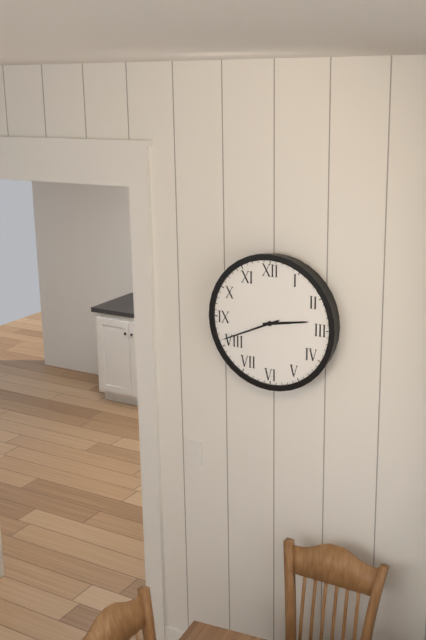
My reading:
h=2 m=41
